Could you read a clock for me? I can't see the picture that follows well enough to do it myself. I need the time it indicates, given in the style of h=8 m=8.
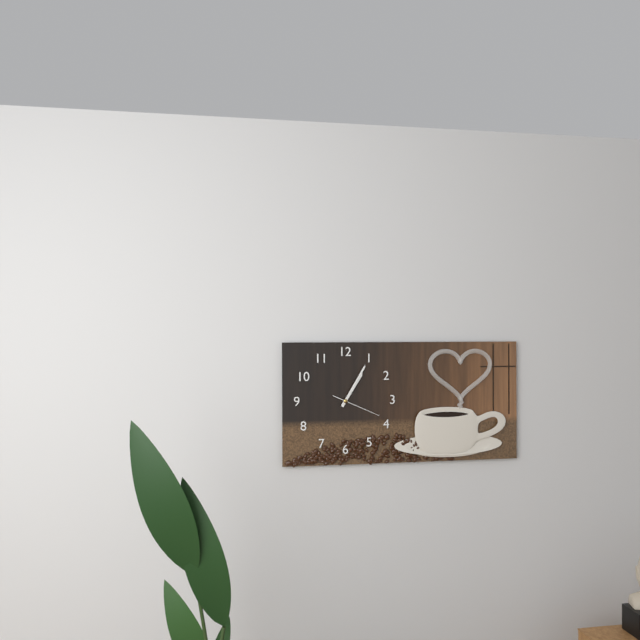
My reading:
h=1 m=5
